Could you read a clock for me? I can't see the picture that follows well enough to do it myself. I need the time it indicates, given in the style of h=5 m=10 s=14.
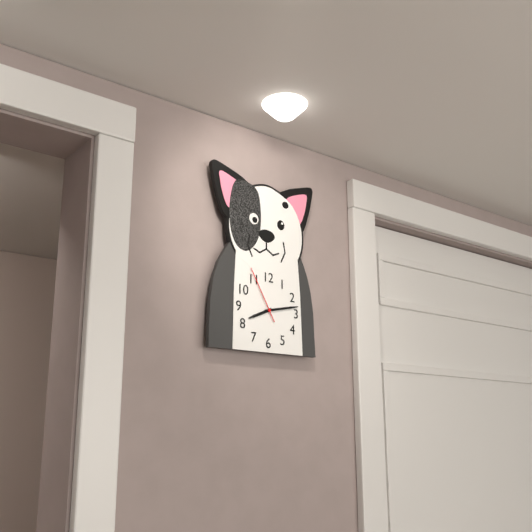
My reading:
h=8 m=13 s=55
